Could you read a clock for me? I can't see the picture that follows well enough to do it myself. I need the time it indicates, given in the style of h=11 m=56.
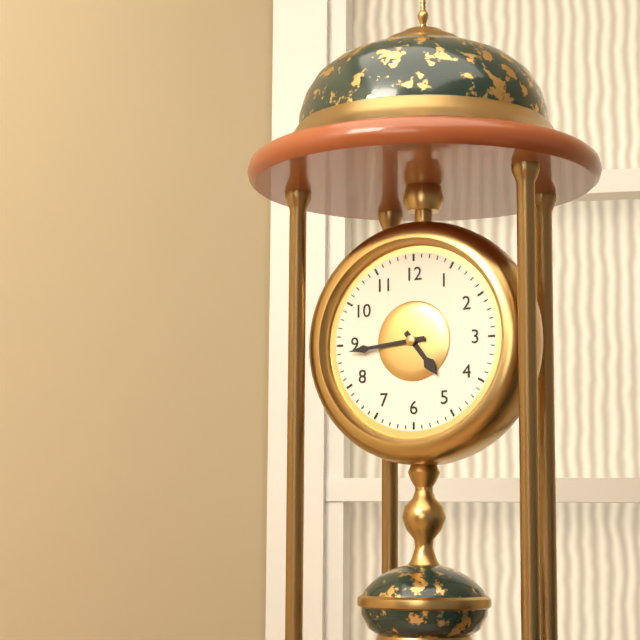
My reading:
h=4 m=44
